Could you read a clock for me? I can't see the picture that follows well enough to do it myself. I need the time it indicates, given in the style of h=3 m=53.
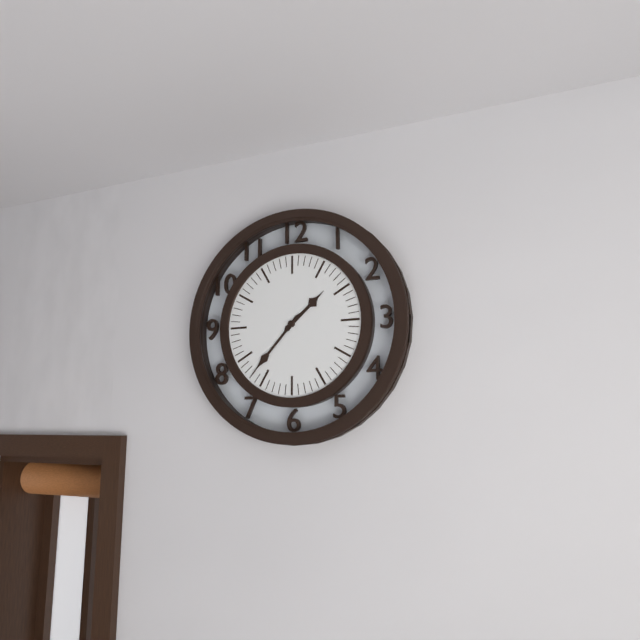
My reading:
h=1 m=37
